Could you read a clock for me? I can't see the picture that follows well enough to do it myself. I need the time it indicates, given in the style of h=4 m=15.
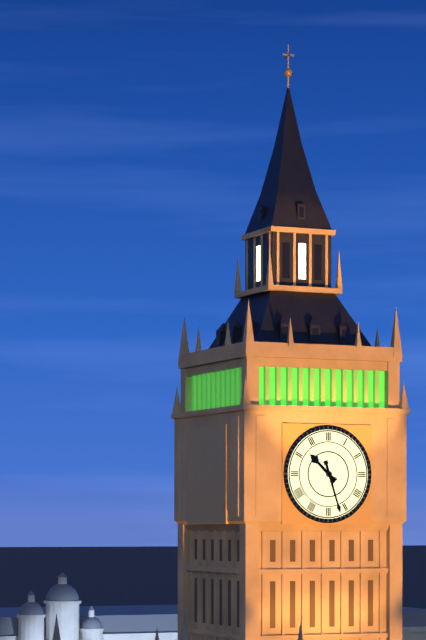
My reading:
h=10 m=27
